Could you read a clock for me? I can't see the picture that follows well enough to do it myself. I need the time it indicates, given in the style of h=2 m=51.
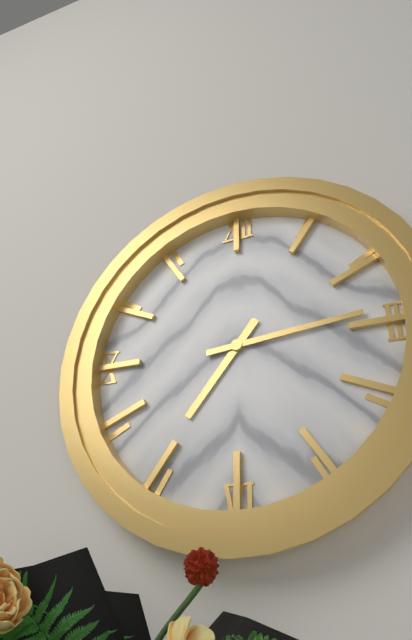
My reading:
h=7 m=14
